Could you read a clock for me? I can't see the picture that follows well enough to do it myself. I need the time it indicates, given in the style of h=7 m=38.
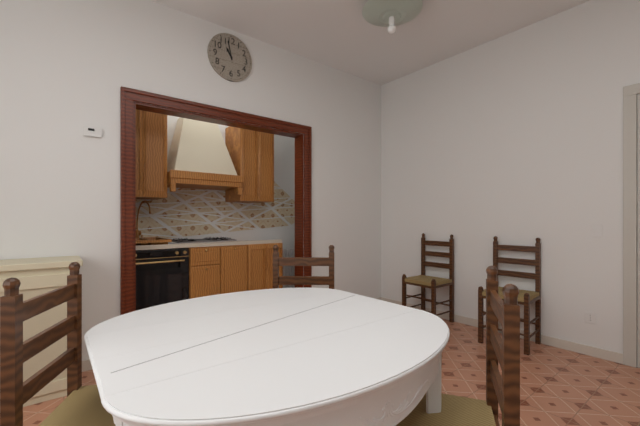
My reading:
h=10 m=58
